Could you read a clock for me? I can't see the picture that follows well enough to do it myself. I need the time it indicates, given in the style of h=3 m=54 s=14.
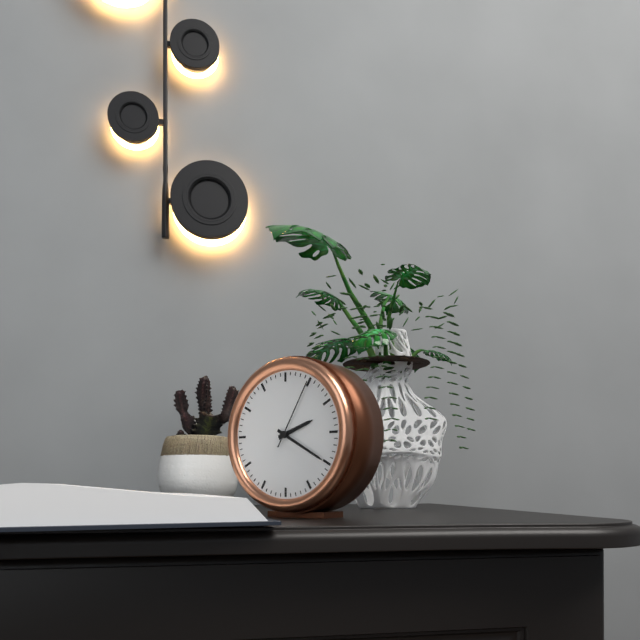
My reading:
h=2 m=20 s=5
